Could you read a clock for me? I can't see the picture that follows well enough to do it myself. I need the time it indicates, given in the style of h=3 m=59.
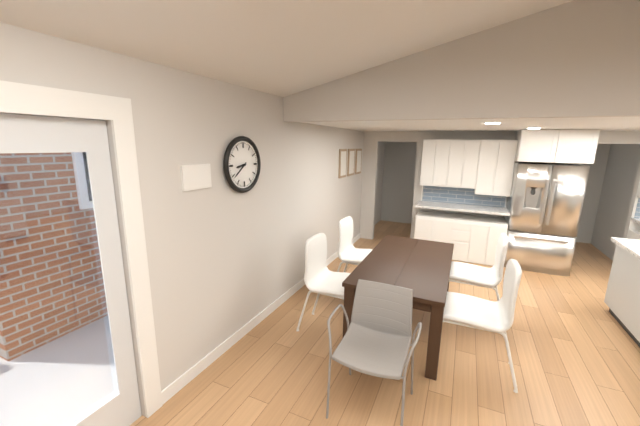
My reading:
h=8 m=39
